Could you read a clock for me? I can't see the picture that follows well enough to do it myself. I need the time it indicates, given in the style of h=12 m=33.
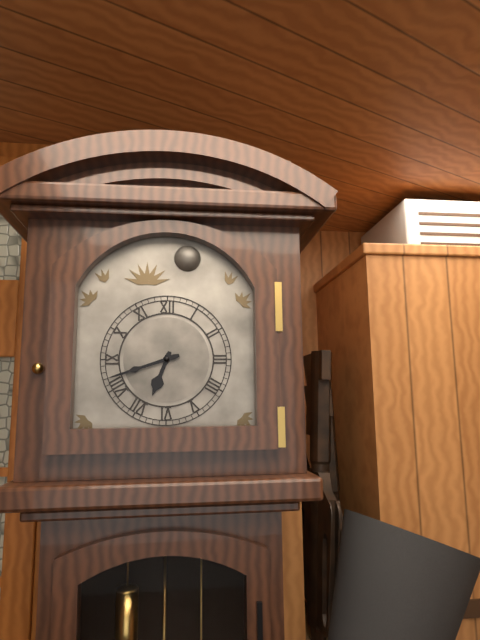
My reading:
h=6 m=42
